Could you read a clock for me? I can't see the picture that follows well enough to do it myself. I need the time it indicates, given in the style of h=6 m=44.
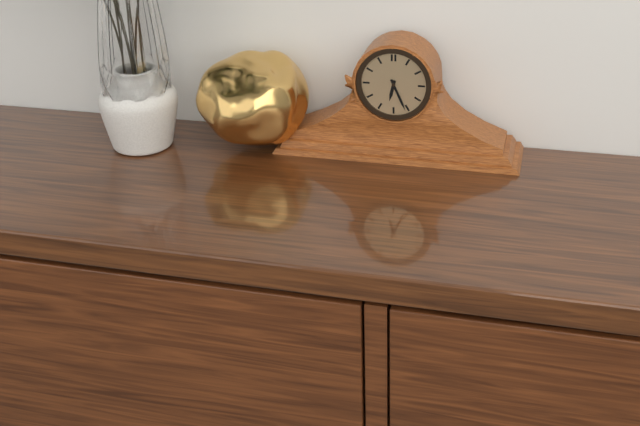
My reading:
h=6 m=26
